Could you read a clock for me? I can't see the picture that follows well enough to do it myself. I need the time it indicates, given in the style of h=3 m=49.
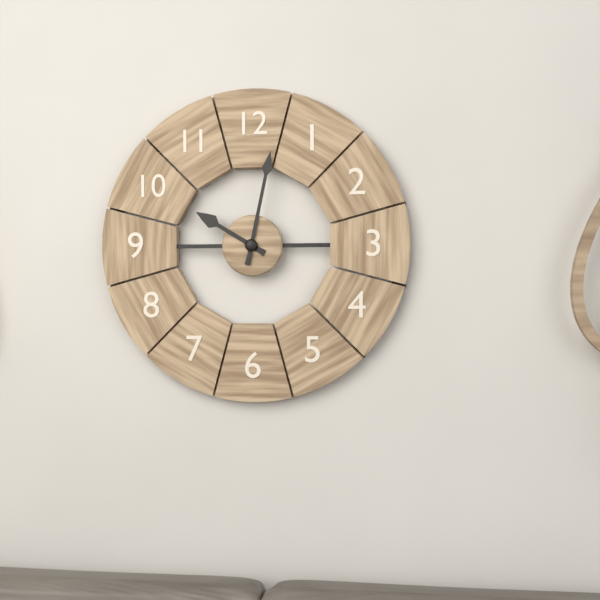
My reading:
h=10 m=2
